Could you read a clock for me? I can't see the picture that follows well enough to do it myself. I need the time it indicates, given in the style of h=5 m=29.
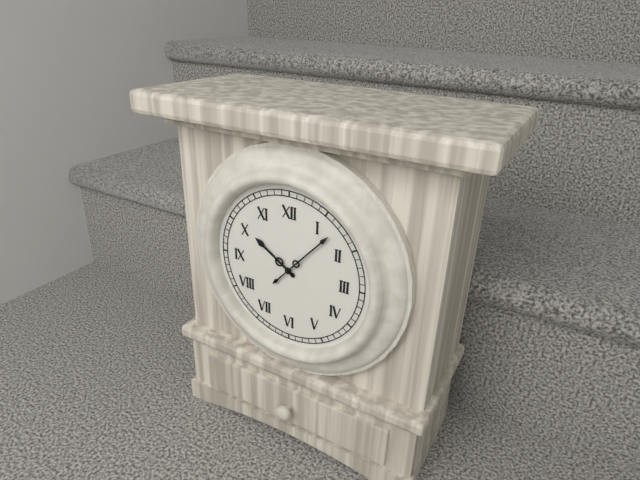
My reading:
h=10 m=7
